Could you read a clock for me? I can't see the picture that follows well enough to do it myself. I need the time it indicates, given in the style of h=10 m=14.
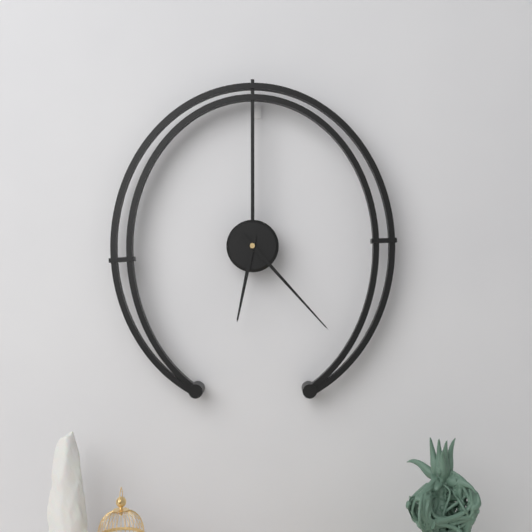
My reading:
h=6 m=23
